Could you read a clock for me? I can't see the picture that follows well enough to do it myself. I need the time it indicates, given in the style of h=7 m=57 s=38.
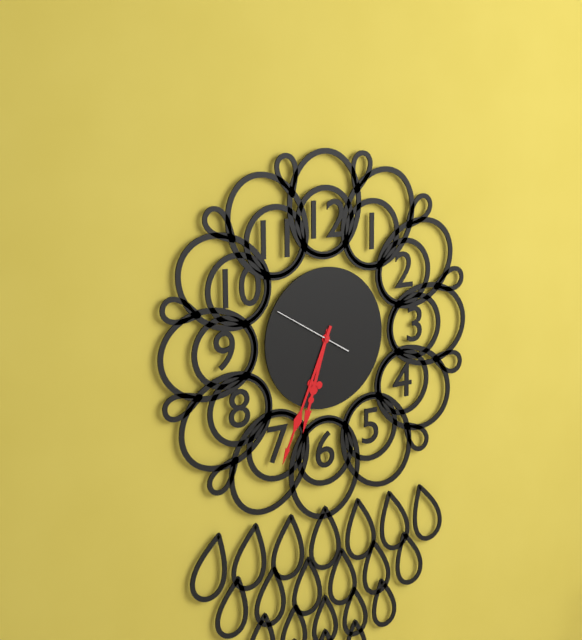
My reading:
h=6 m=34 s=50
